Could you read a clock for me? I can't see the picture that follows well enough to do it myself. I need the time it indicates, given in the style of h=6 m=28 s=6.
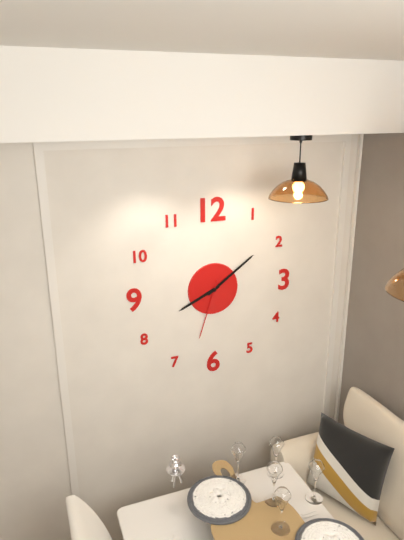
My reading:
h=8 m=9 s=33
